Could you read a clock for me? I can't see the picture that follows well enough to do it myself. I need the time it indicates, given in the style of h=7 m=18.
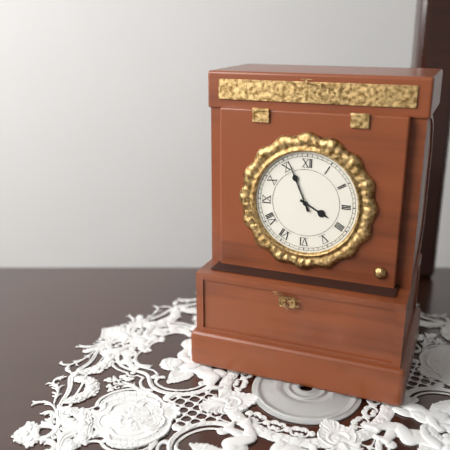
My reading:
h=3 m=56
